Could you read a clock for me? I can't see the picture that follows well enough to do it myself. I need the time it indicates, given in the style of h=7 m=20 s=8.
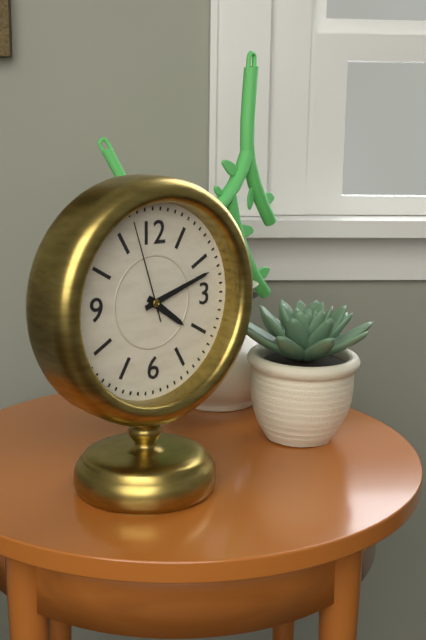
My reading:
h=4 m=12 s=57
